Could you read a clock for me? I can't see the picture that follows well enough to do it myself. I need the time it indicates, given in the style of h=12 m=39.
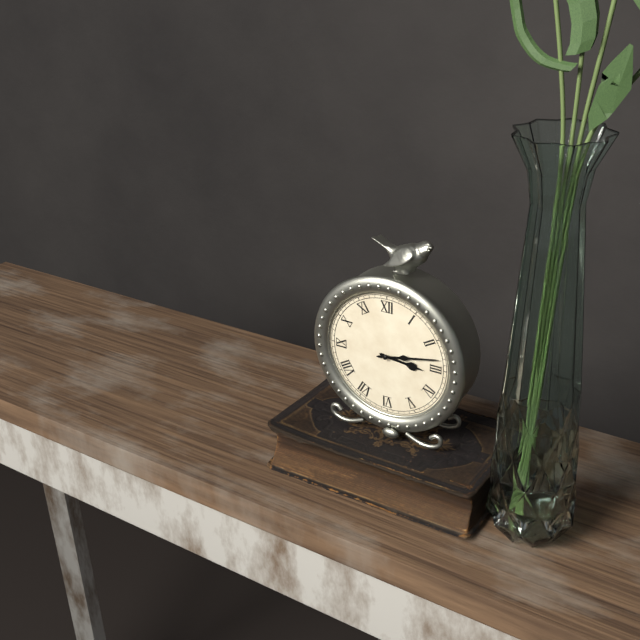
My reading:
h=3 m=13
